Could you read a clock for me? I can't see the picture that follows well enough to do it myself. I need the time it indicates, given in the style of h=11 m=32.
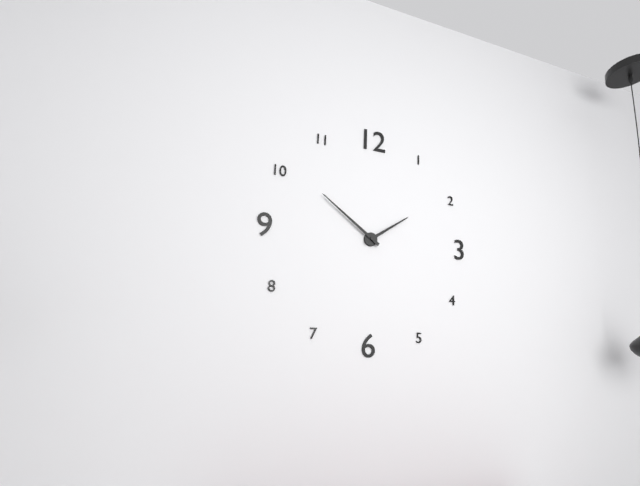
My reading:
h=1 m=51
